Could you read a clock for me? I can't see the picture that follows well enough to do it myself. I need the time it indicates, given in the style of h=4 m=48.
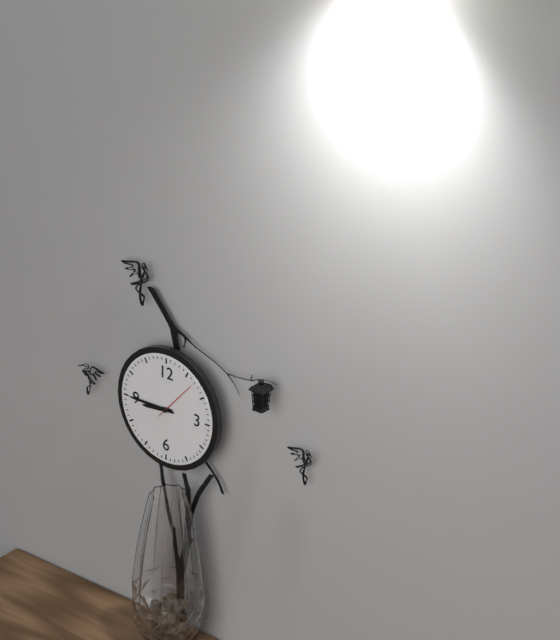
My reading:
h=8 m=45
